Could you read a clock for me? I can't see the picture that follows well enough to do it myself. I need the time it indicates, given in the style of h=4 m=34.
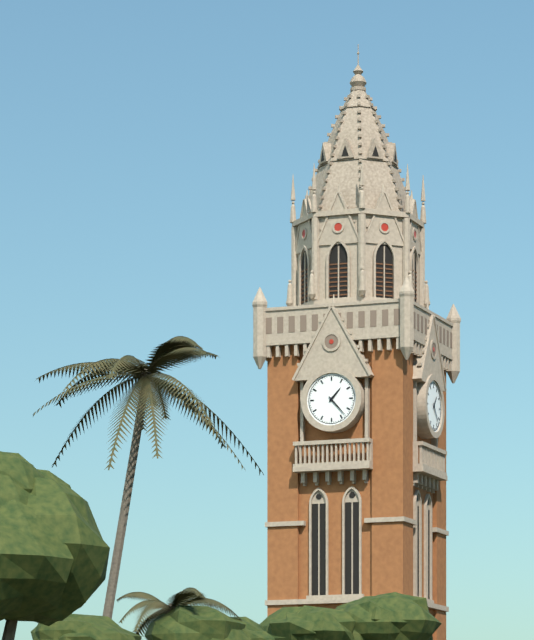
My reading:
h=1 m=23
